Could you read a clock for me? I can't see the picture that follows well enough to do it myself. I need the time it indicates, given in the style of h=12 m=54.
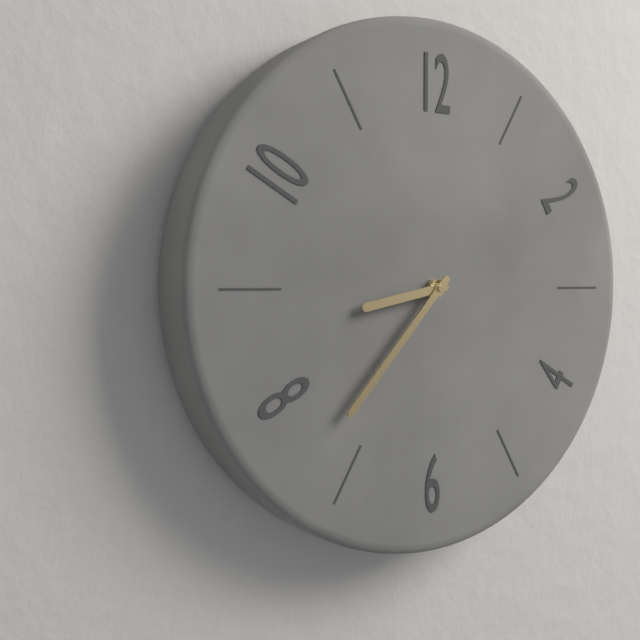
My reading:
h=8 m=37
